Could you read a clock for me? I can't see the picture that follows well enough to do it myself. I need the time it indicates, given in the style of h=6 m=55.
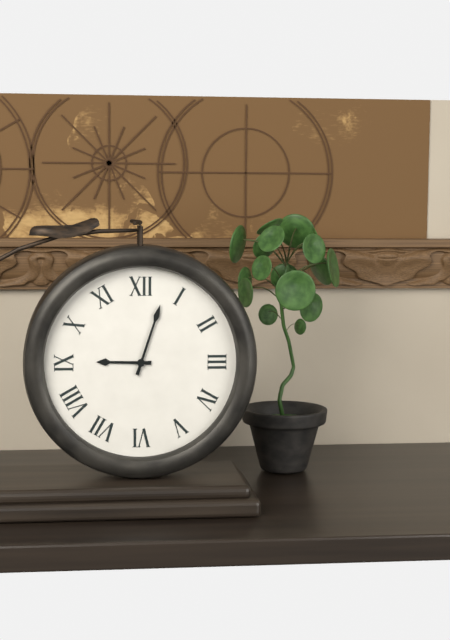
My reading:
h=9 m=3
